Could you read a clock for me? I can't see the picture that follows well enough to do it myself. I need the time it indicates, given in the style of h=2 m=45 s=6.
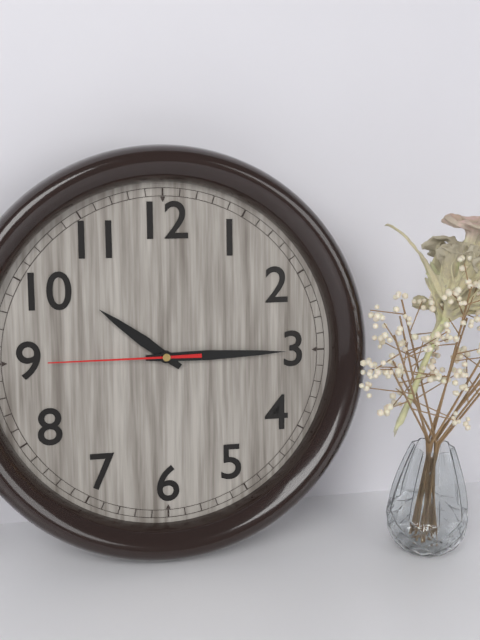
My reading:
h=10 m=15 s=45
